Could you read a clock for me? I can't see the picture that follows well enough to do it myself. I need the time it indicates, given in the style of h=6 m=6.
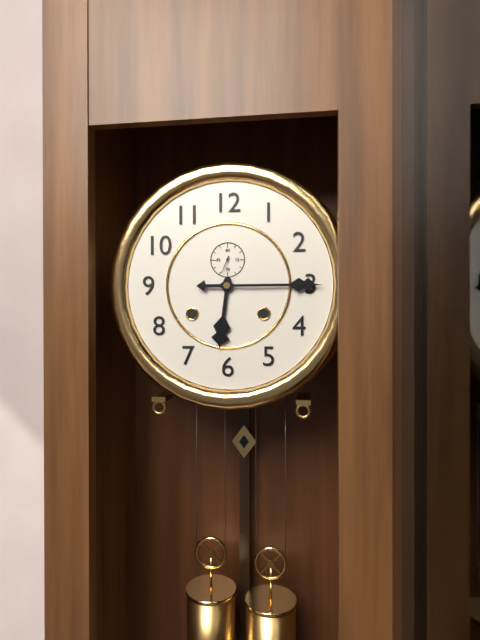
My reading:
h=6 m=15
